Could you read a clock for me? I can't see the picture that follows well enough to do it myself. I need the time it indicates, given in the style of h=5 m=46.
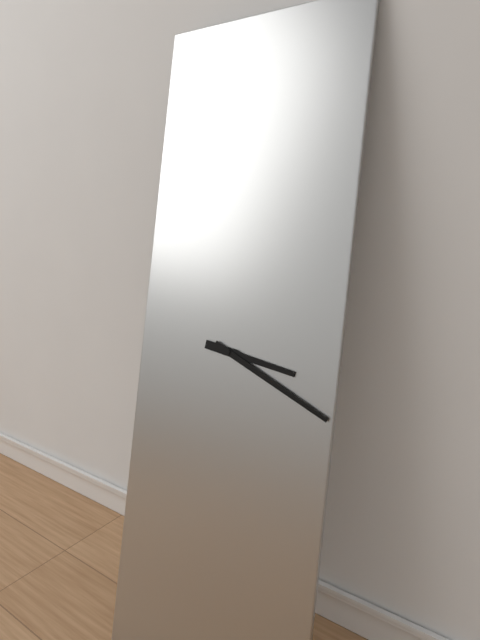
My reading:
h=3 m=19
